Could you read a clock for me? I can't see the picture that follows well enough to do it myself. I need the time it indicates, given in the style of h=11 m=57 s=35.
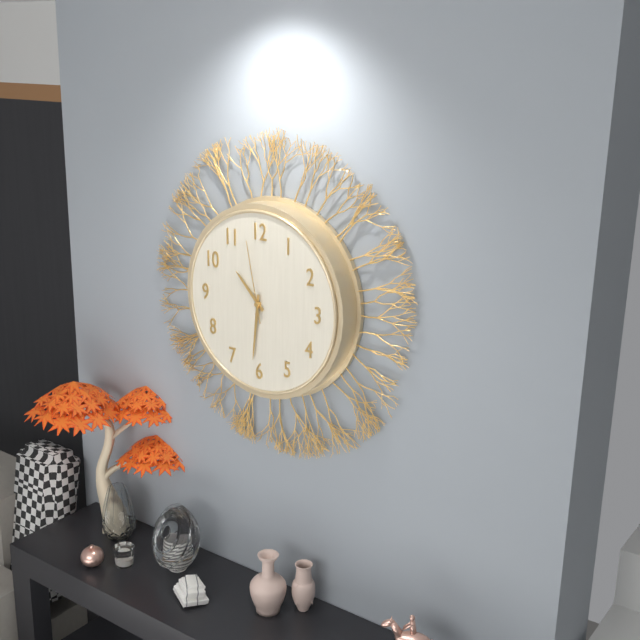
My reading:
h=10 m=31 s=58
